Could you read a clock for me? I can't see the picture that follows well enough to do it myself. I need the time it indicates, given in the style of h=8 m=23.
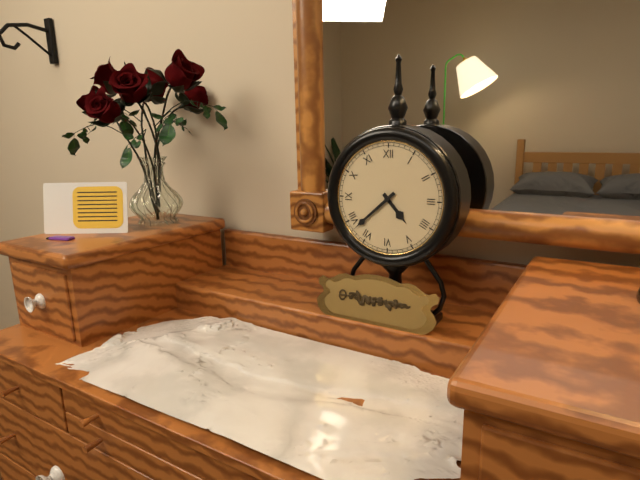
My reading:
h=4 m=38
